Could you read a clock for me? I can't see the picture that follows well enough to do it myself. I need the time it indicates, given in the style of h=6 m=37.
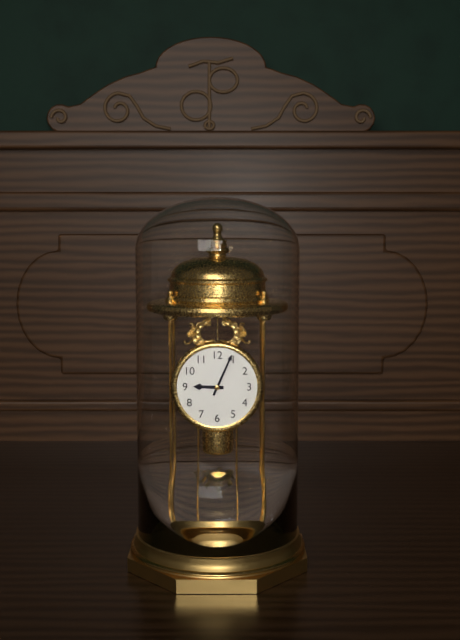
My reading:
h=9 m=4
